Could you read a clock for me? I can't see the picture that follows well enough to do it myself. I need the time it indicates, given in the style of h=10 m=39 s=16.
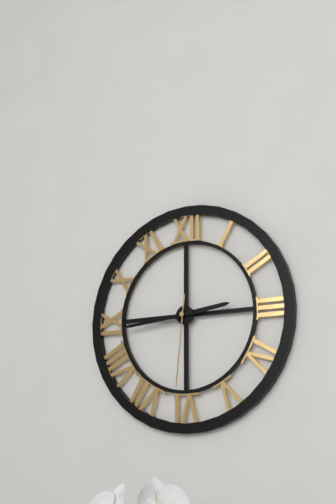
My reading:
h=2 m=44 s=31
